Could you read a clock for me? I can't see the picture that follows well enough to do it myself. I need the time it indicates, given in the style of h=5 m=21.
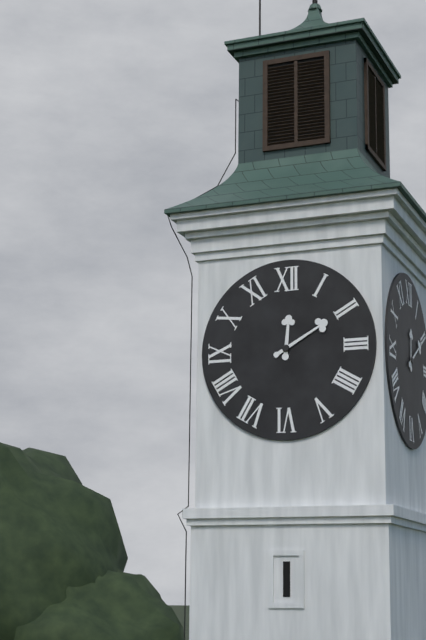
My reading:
h=12 m=10
